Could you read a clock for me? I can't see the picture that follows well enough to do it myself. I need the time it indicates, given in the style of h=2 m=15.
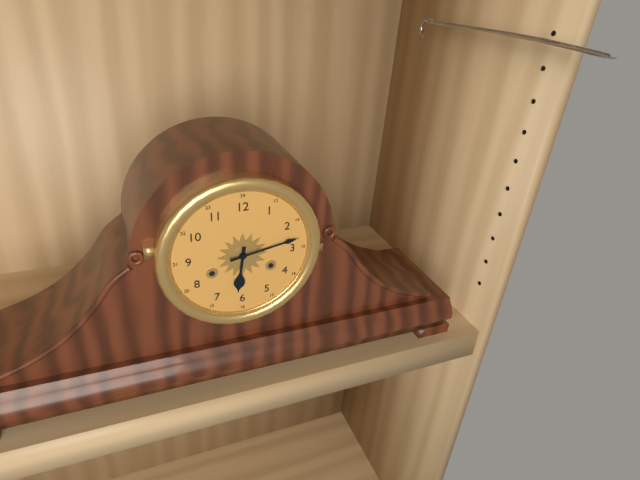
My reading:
h=6 m=13
